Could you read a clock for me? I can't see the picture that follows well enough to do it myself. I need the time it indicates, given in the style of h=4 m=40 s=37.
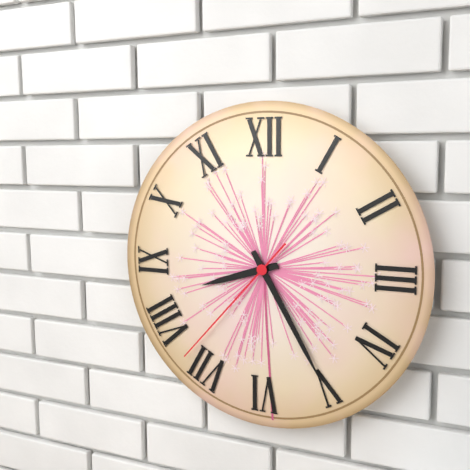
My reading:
h=8 m=25 s=37
